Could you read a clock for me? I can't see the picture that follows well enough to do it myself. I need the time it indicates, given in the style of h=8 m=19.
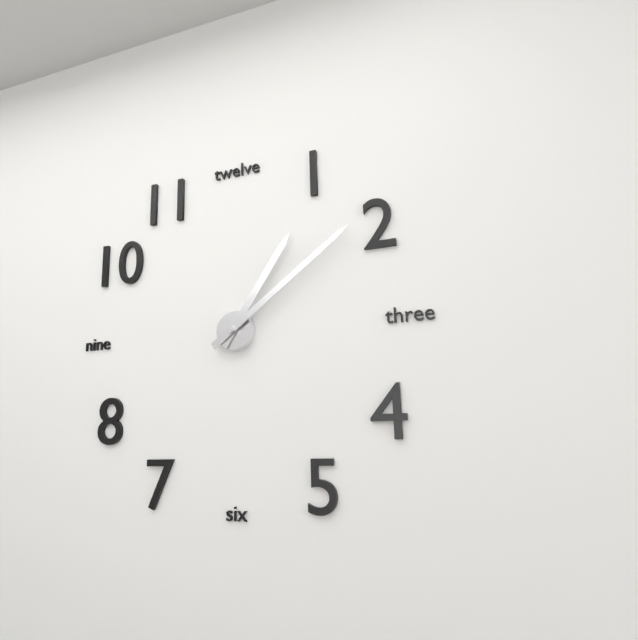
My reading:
h=1 m=9
